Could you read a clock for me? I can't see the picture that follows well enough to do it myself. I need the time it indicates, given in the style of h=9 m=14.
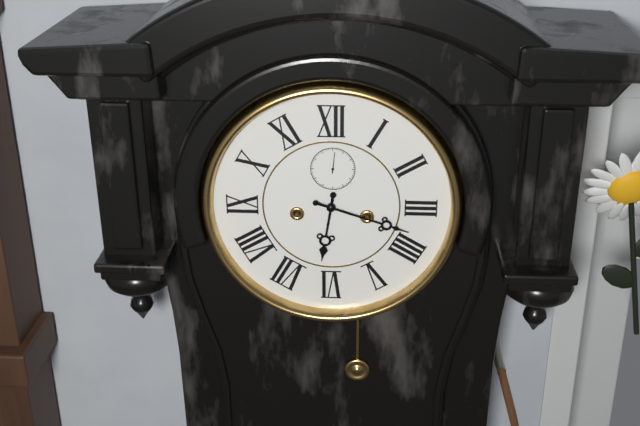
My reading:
h=6 m=18
